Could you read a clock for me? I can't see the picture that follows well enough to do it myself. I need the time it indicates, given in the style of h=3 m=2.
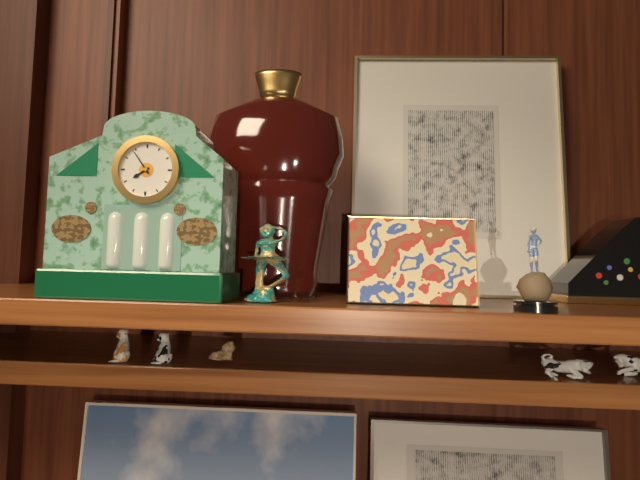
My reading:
h=7 m=54
